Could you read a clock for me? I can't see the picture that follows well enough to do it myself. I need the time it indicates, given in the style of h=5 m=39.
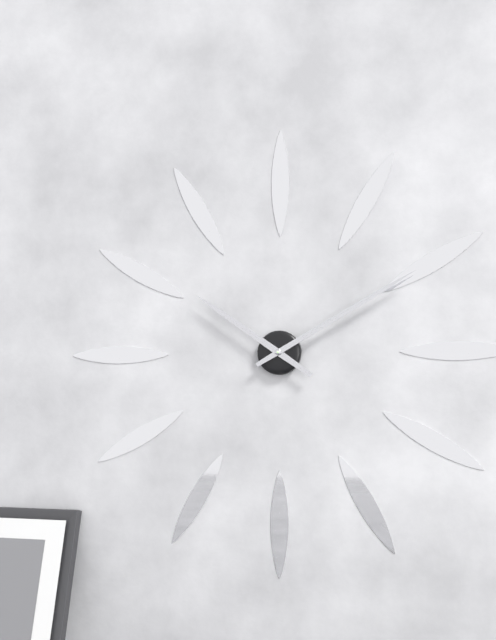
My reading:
h=10 m=10
